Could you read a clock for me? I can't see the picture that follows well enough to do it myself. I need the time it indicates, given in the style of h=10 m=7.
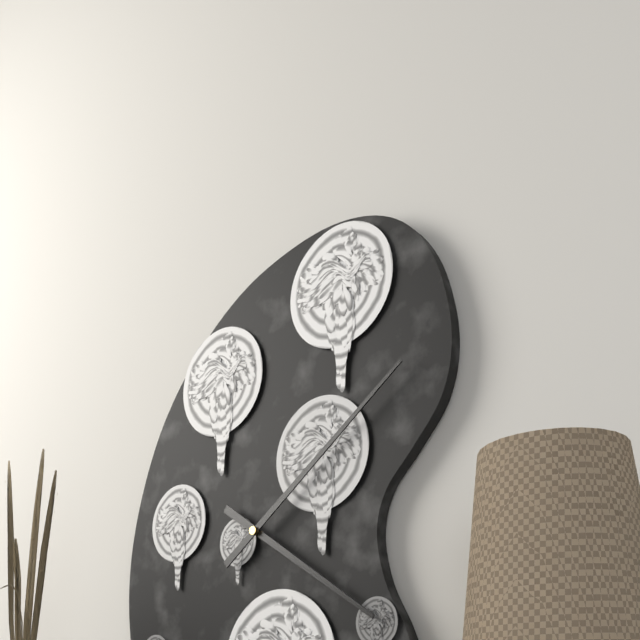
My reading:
h=4 m=9
